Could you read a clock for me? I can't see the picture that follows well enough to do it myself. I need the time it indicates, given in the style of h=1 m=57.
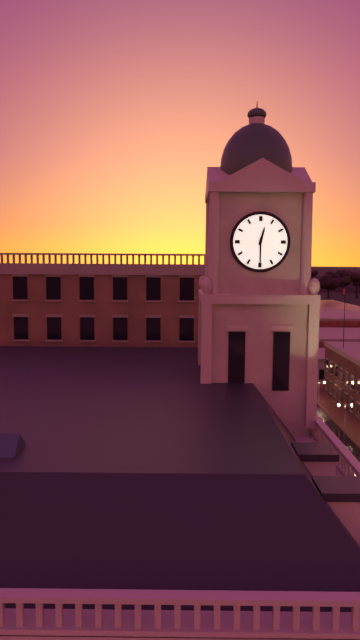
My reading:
h=12 m=30
